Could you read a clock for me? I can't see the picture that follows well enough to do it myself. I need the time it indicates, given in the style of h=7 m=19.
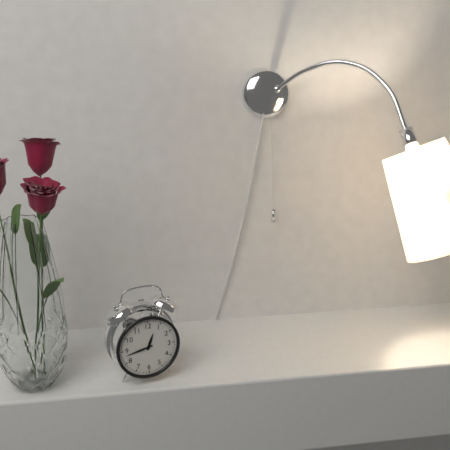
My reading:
h=12 m=43
